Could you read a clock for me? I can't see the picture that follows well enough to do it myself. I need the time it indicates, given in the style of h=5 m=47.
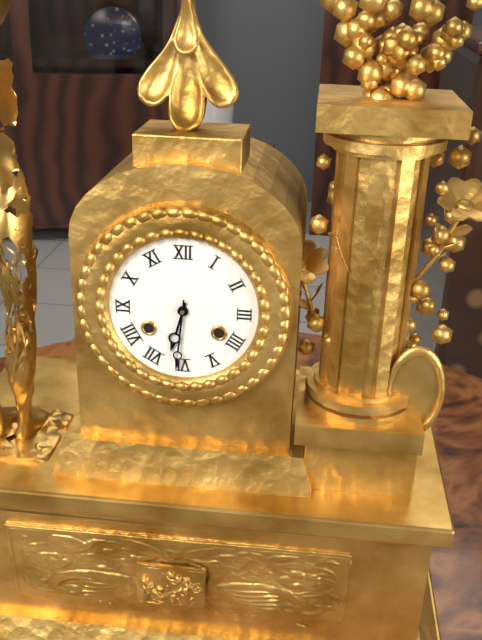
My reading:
h=6 m=31
